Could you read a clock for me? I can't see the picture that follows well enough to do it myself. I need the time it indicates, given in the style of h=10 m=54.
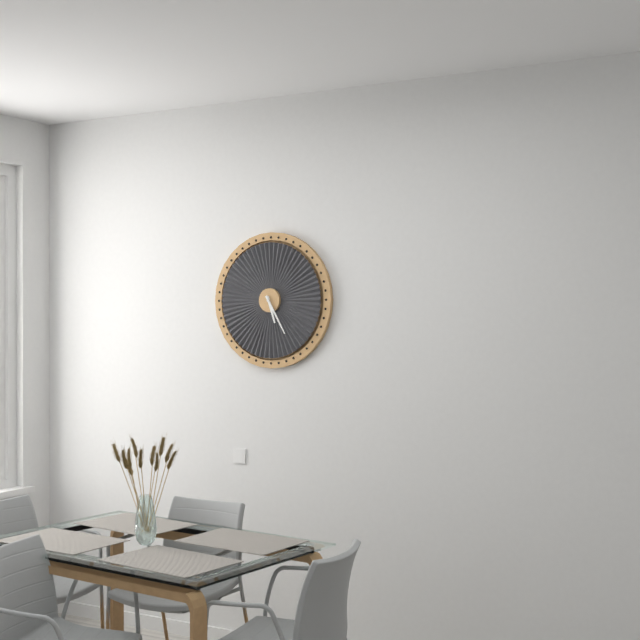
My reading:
h=5 m=25
